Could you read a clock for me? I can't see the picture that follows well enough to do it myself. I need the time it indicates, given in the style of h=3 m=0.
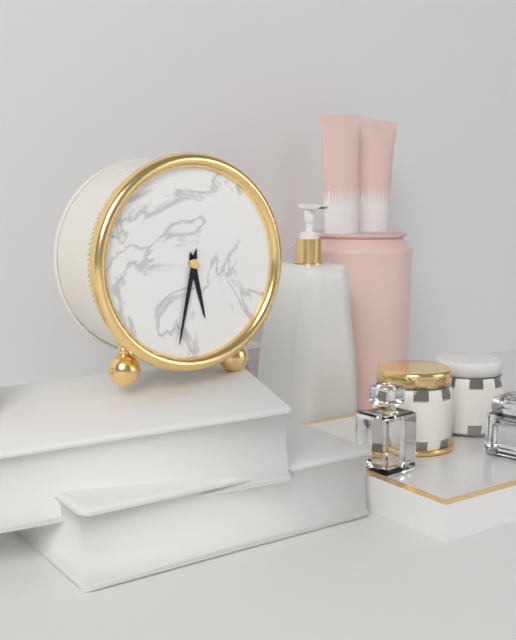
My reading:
h=5 m=32
